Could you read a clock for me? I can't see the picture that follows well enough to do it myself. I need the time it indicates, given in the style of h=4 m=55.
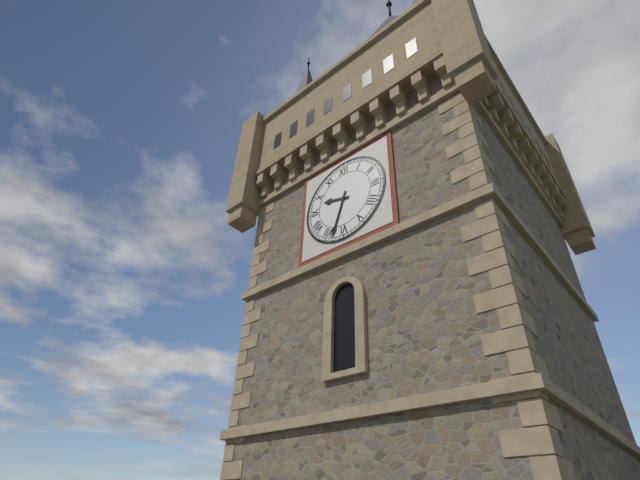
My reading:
h=9 m=33
